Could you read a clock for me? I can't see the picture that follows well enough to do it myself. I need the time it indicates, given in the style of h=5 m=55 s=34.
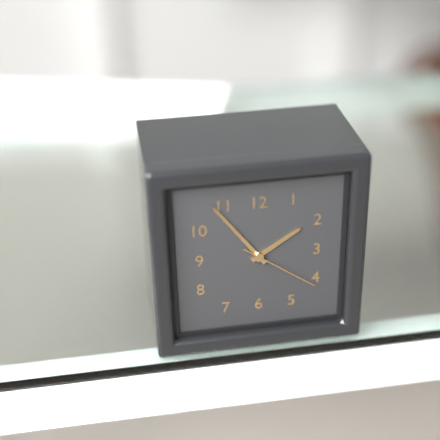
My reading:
h=1 m=54 s=21
